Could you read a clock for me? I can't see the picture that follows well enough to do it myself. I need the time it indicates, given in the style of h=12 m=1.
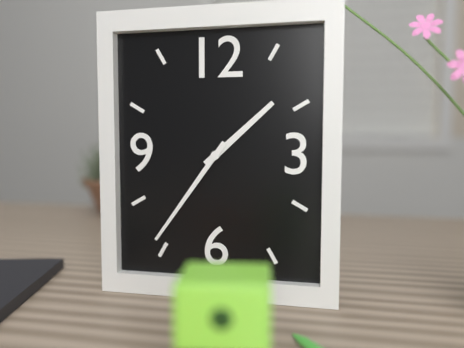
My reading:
h=1 m=36
